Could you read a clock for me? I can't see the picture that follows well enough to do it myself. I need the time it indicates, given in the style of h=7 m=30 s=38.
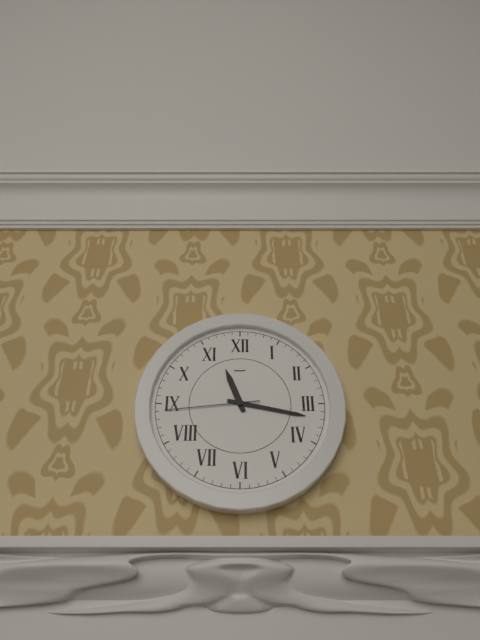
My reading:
h=11 m=17 s=44
